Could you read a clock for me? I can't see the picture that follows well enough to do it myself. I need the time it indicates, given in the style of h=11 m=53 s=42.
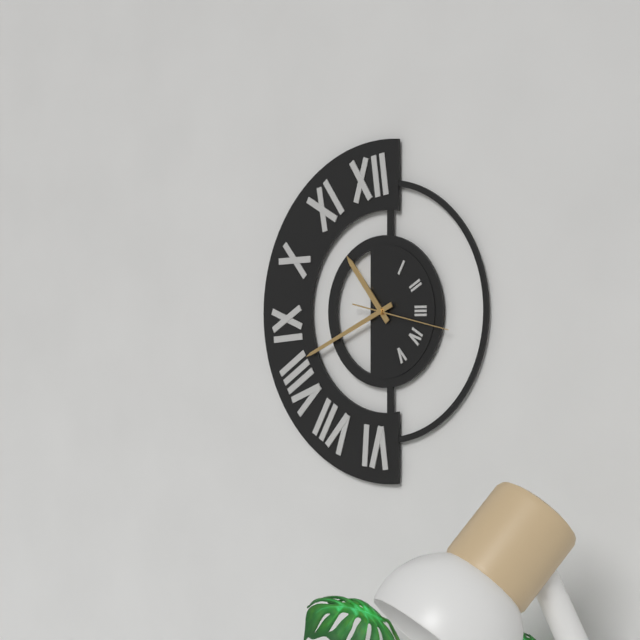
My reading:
h=10 m=41 s=17
